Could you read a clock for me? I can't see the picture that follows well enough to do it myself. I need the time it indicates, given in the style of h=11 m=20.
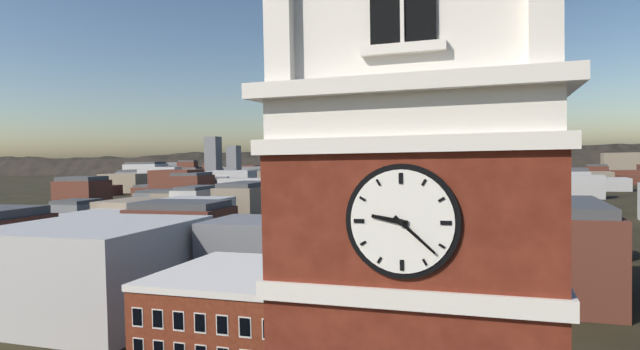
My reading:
h=9 m=22
